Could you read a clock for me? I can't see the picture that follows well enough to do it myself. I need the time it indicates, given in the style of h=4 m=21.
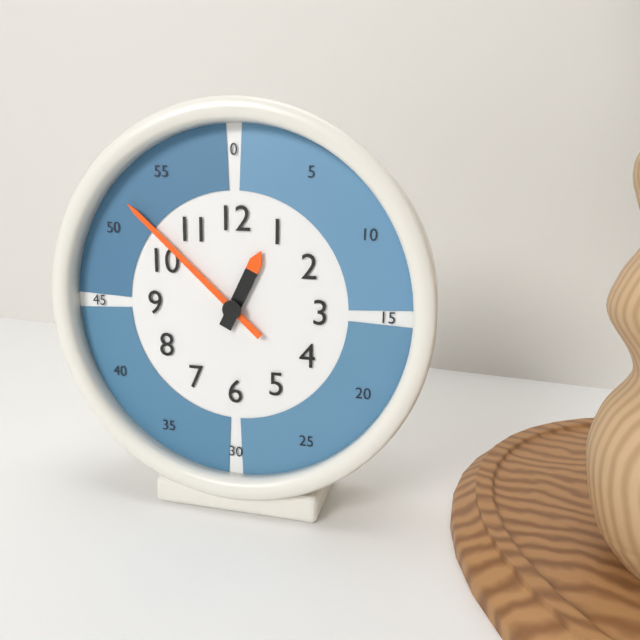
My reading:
h=12 m=52
